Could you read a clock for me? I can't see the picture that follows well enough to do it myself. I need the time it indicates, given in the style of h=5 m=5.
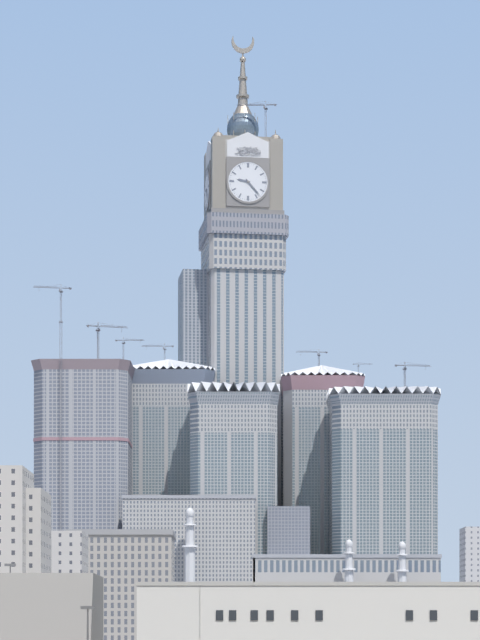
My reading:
h=9 m=23
